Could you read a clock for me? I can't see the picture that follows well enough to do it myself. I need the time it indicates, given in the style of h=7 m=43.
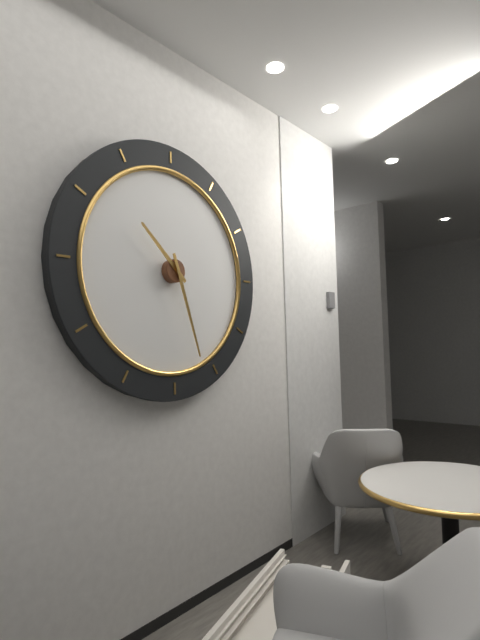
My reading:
h=10 m=27
